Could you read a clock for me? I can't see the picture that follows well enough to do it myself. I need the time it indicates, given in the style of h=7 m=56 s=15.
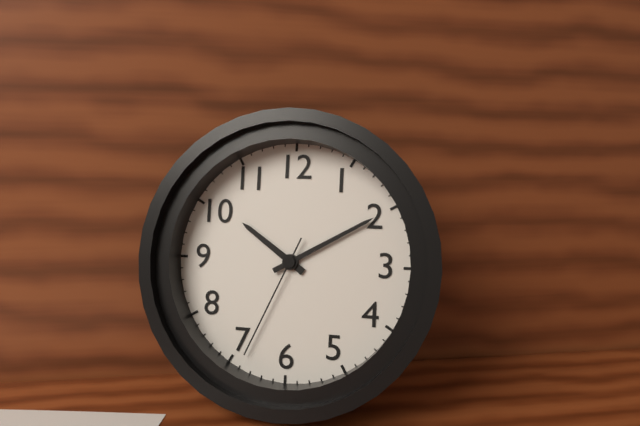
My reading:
h=10 m=10 s=34
